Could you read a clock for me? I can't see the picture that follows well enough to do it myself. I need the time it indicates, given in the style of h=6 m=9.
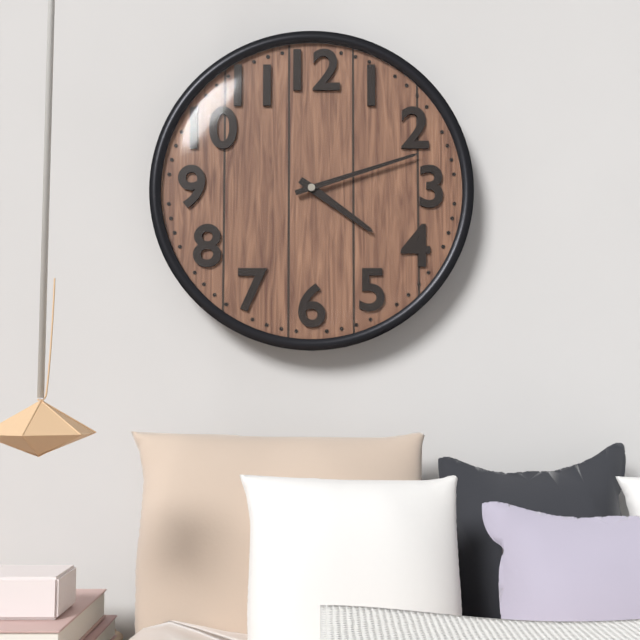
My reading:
h=4 m=12
